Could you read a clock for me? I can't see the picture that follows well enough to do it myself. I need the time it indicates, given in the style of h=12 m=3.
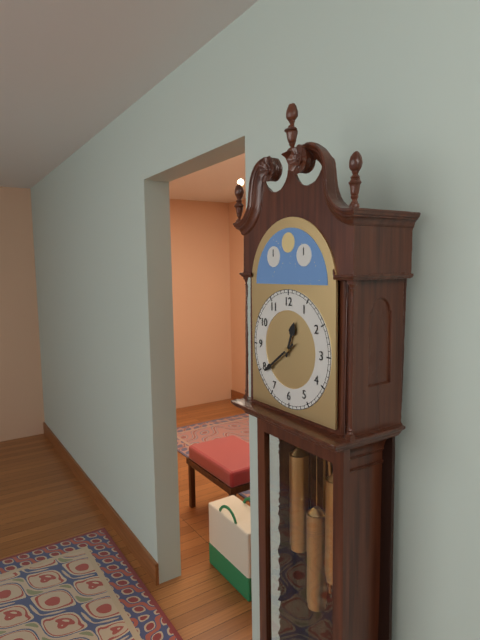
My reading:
h=12 m=39
